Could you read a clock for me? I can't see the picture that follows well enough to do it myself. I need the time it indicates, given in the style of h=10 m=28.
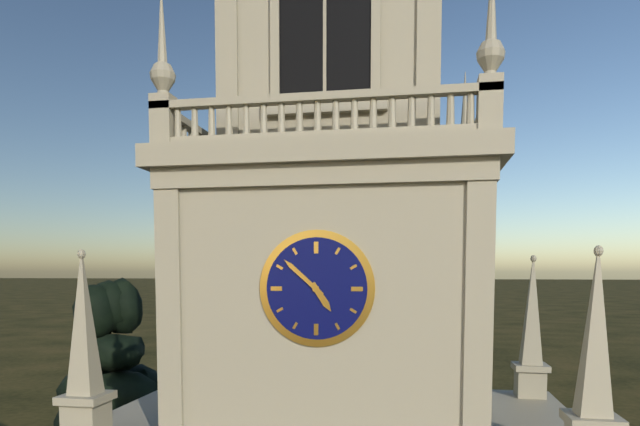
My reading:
h=4 m=52
